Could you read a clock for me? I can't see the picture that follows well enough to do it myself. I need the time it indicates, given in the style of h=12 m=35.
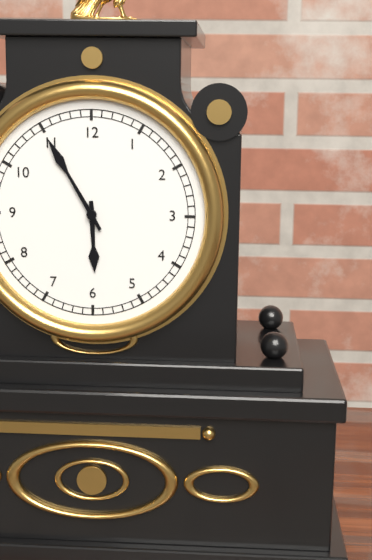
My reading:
h=5 m=55
